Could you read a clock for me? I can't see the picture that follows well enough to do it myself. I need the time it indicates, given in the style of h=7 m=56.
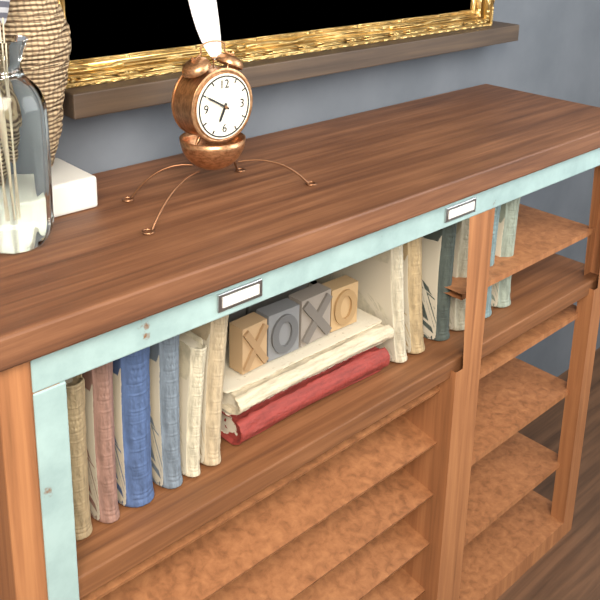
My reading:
h=6 m=50
